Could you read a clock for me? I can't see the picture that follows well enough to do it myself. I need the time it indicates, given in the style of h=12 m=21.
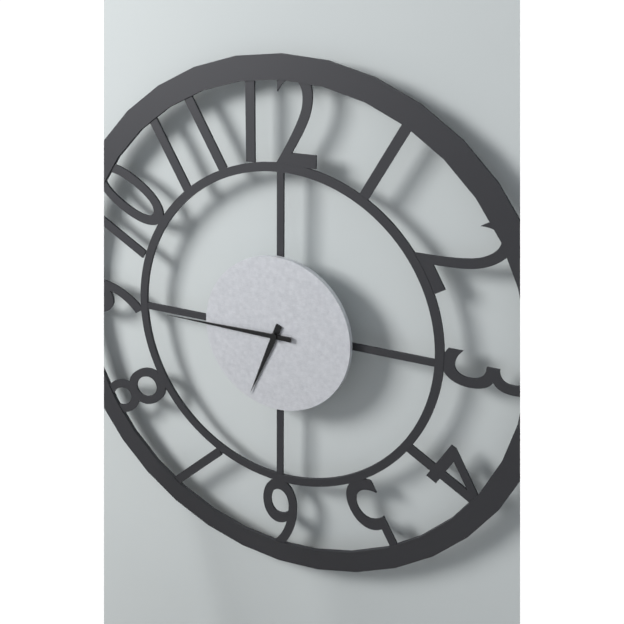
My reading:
h=6 m=45
